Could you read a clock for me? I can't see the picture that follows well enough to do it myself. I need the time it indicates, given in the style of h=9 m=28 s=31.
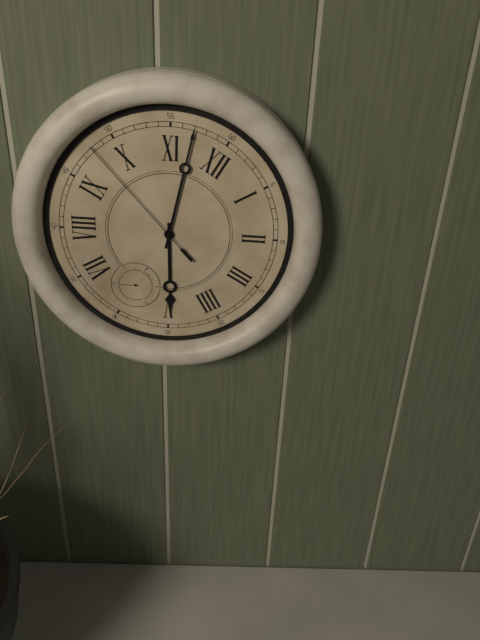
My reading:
h=4 m=57 s=48
